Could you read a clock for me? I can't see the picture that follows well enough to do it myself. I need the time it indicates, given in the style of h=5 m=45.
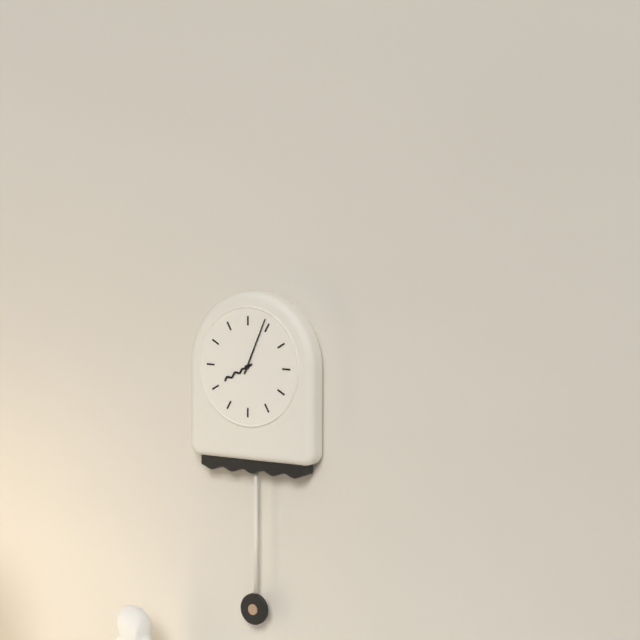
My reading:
h=8 m=4
